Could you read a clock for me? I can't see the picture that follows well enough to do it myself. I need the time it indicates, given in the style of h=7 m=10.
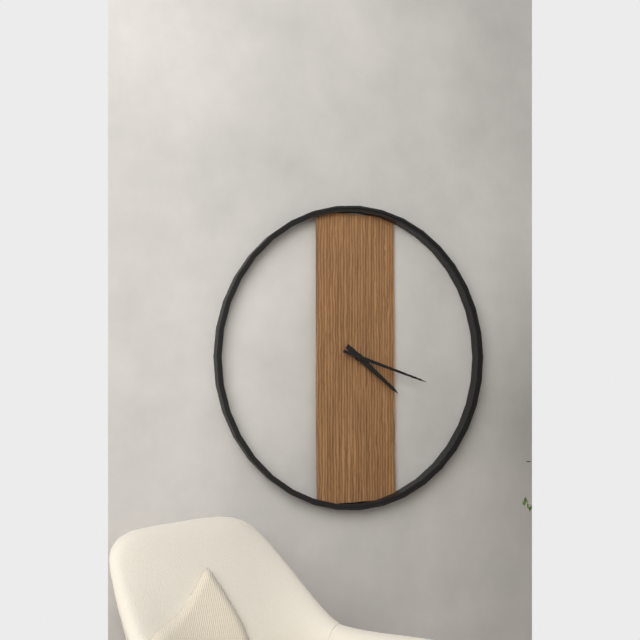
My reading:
h=4 m=18
